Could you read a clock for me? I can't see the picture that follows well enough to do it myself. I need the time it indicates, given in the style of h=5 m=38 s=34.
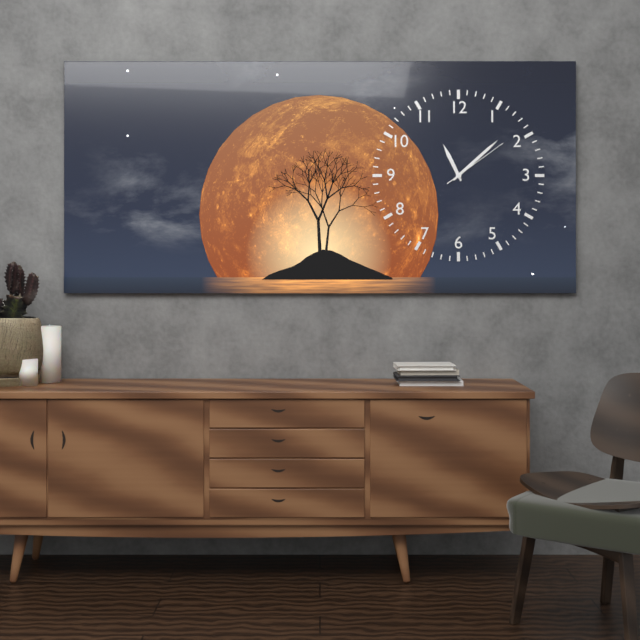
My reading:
h=11 m=8 s=9
